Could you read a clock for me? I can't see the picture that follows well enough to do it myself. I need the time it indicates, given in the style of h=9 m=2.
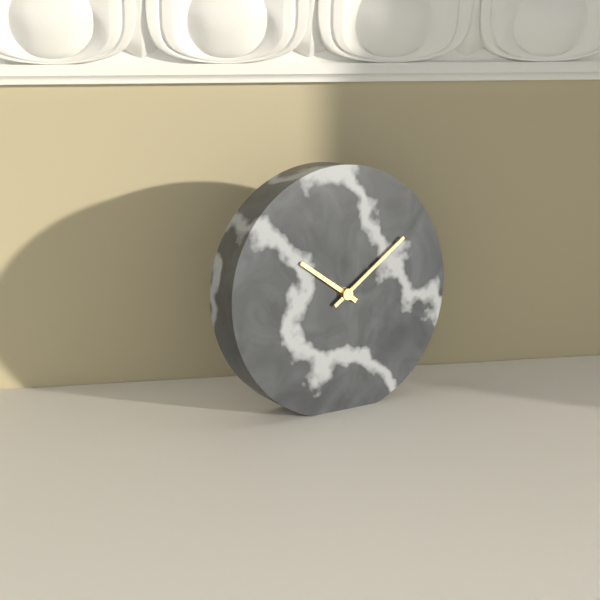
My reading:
h=10 m=9
